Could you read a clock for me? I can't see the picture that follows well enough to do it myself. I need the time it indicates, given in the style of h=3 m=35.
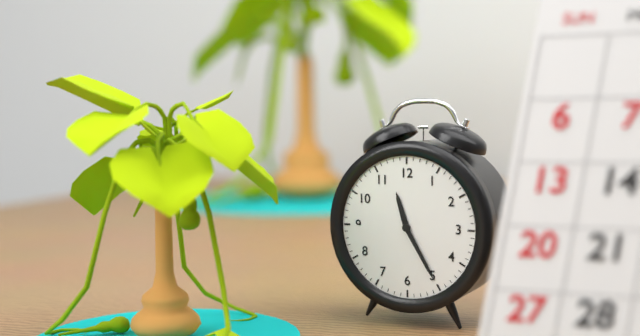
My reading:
h=11 m=25
